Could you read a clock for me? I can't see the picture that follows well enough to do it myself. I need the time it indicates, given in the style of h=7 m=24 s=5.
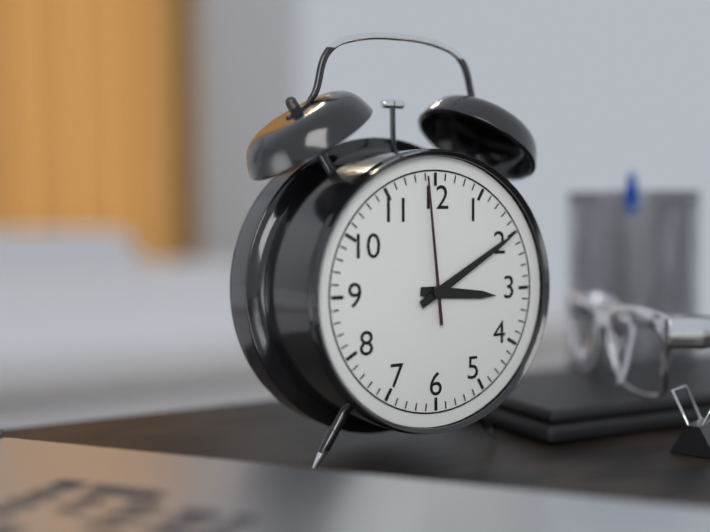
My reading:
h=3 m=10 s=59
